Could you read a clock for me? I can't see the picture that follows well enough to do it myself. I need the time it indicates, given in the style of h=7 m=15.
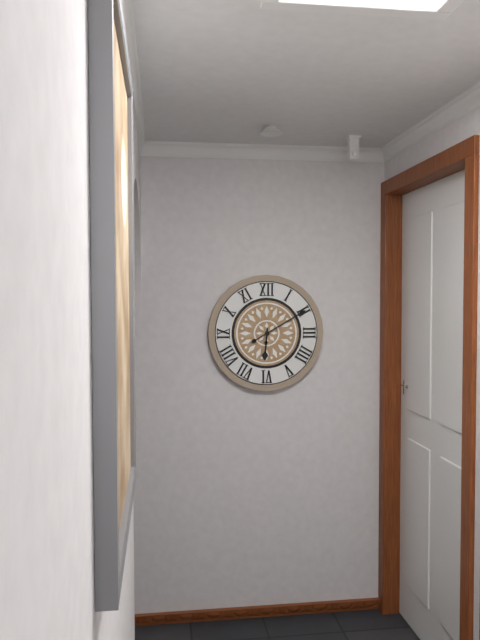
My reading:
h=6 m=10
